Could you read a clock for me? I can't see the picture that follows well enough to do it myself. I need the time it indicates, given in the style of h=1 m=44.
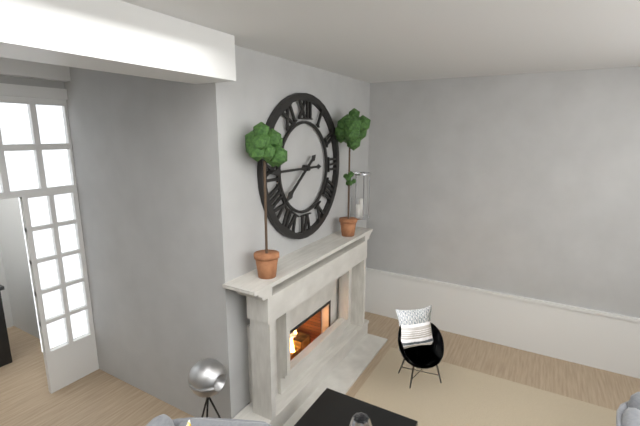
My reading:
h=7 m=45
